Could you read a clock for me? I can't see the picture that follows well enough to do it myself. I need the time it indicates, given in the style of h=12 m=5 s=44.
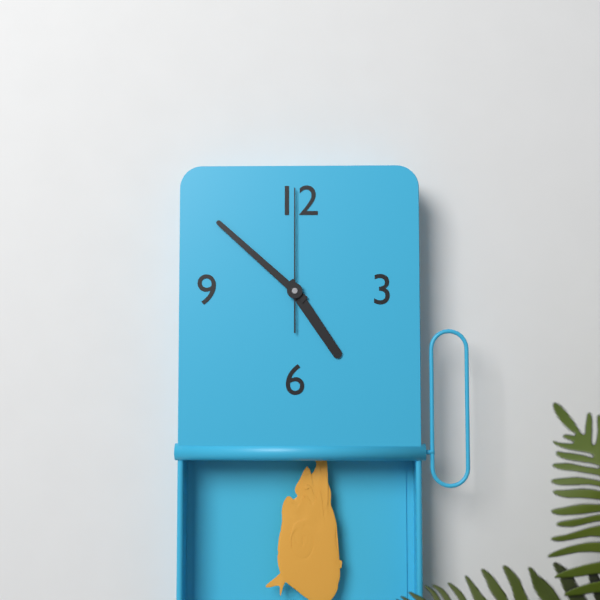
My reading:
h=4 m=52 s=0
